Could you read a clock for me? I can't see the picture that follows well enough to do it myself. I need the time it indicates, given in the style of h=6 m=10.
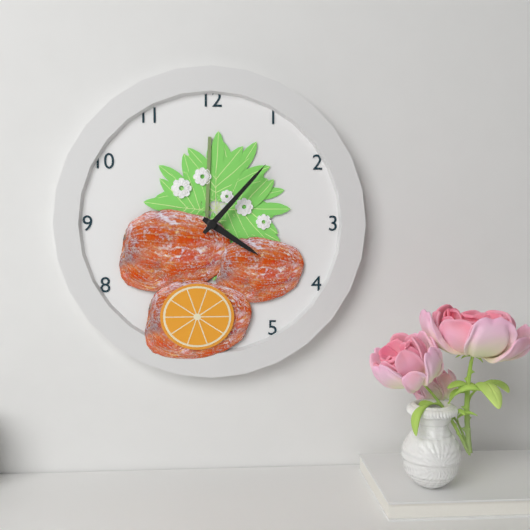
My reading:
h=4 m=7
